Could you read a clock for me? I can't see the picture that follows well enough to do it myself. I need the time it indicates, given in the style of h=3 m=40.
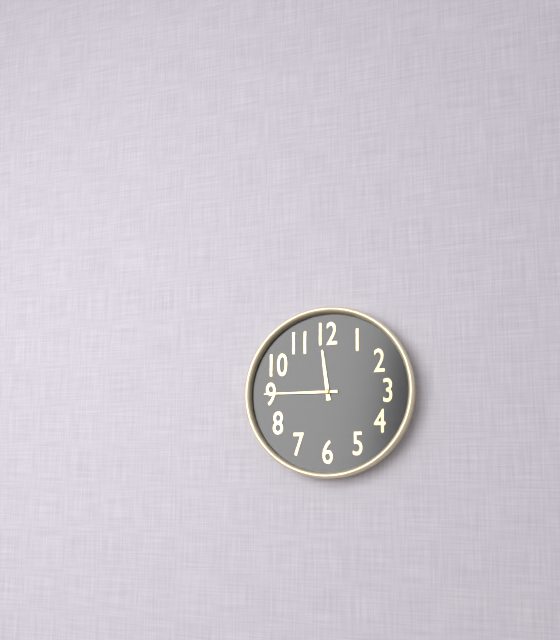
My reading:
h=11 m=45
